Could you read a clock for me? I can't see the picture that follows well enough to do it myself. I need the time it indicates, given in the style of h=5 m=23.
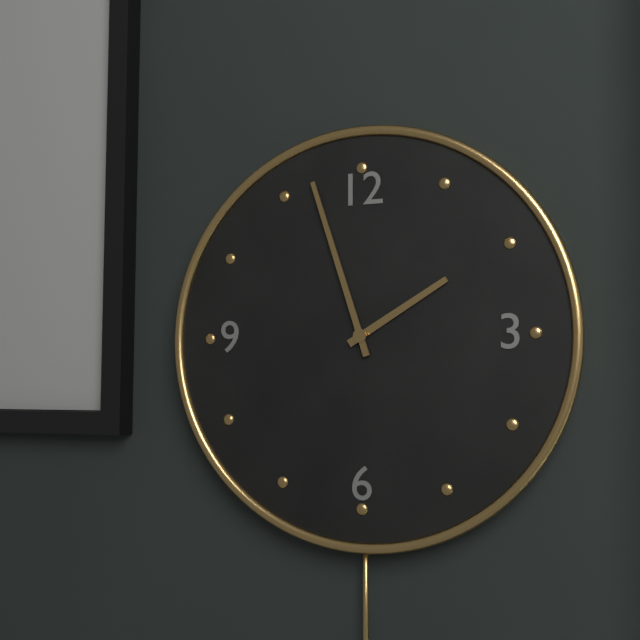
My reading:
h=1 m=57
